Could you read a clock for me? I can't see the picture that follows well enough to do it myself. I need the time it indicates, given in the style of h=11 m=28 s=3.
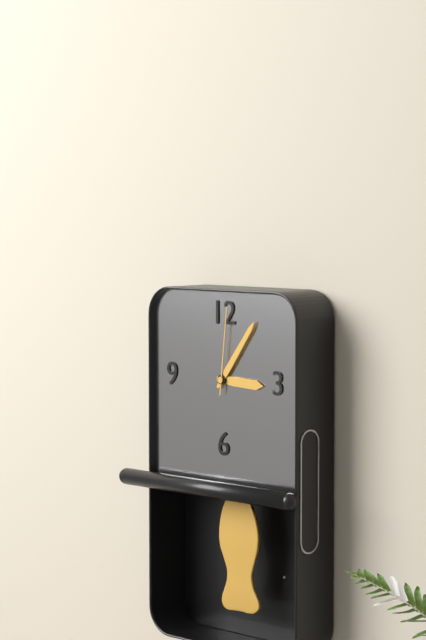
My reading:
h=3 m=6 s=1
